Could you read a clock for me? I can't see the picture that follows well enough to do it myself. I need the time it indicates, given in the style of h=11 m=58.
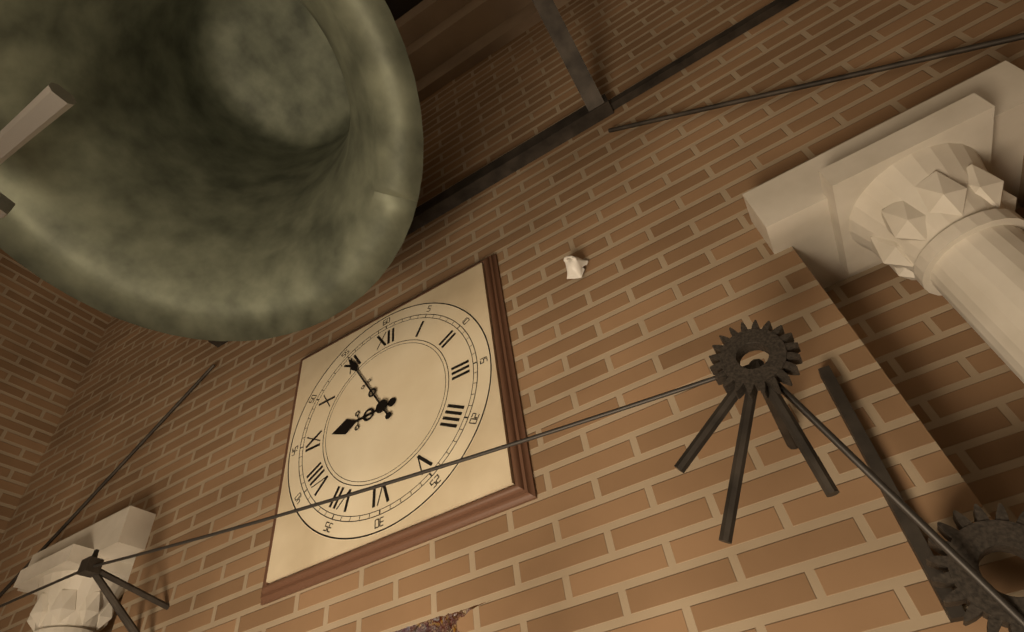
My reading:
h=8 m=55
